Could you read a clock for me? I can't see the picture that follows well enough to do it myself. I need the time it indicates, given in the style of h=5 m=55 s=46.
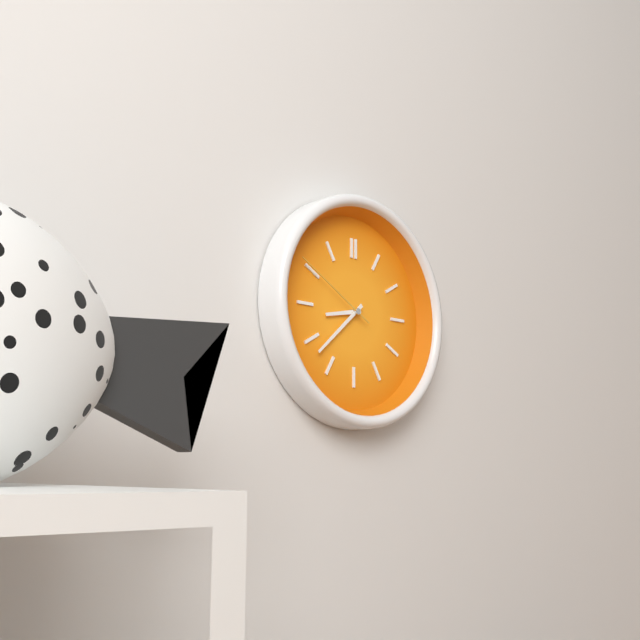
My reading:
h=8 m=38 s=50
